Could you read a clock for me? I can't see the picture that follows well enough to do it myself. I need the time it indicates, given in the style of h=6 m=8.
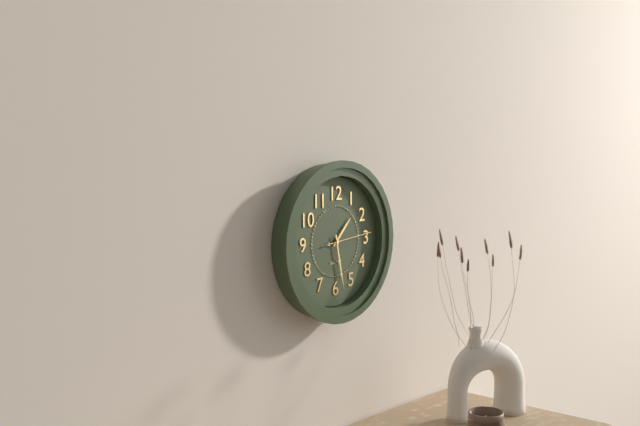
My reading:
h=1 m=28
